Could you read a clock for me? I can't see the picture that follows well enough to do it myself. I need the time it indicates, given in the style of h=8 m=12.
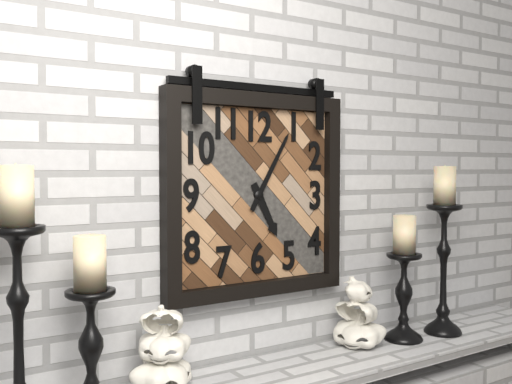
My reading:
h=5 m=5
